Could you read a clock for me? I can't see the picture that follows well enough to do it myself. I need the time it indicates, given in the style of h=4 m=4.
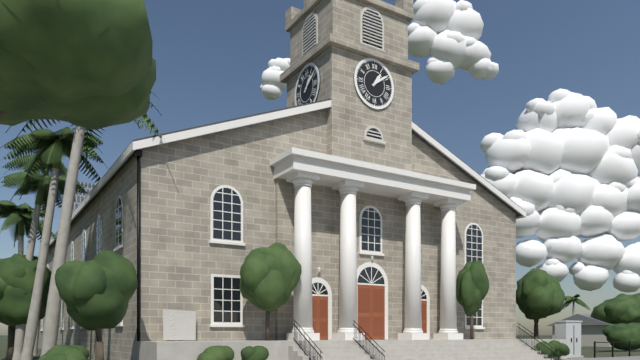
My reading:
h=1 m=9
